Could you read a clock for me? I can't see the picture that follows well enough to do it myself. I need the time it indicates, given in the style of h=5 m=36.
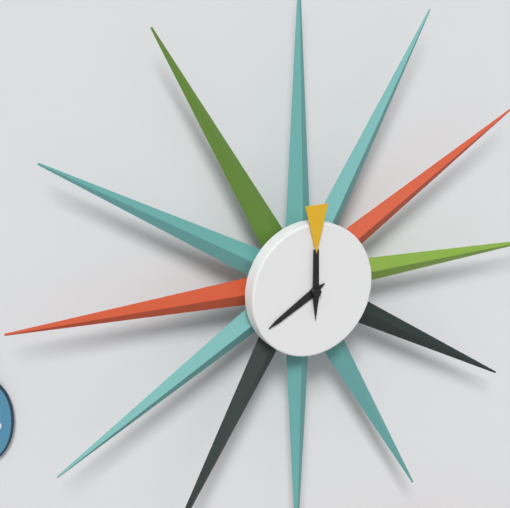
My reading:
h=8 m=0
